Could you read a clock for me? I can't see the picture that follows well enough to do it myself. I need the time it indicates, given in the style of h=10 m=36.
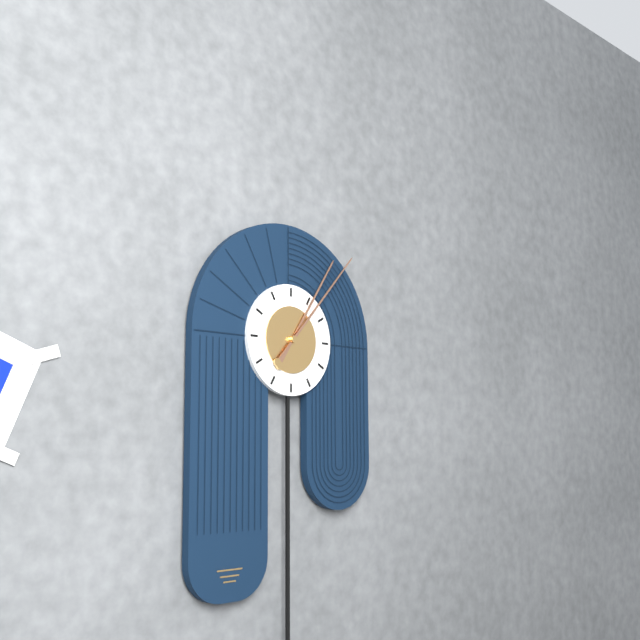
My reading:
h=1 m=7
